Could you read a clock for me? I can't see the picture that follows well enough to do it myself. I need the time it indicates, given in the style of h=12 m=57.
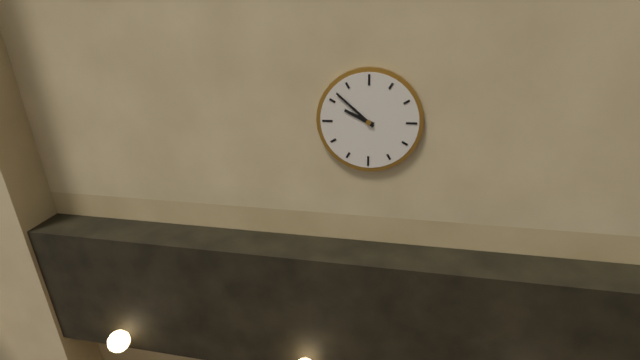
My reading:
h=9 m=52
